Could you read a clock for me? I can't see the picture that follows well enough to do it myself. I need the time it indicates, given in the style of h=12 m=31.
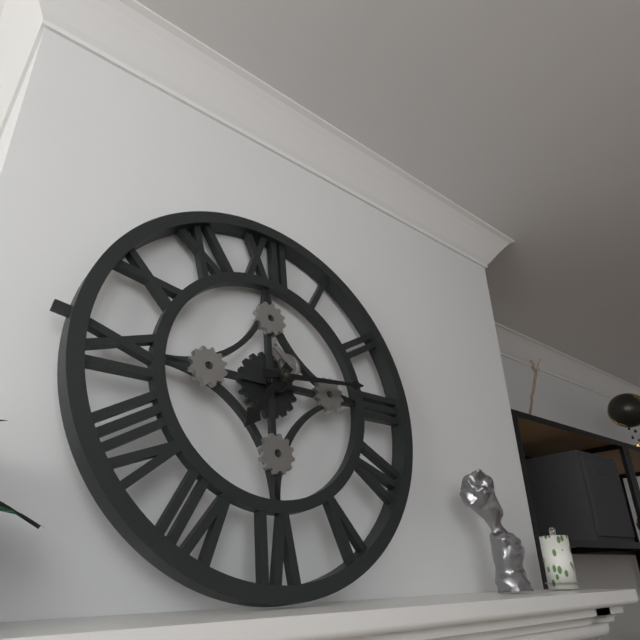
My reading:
h=7 m=14
